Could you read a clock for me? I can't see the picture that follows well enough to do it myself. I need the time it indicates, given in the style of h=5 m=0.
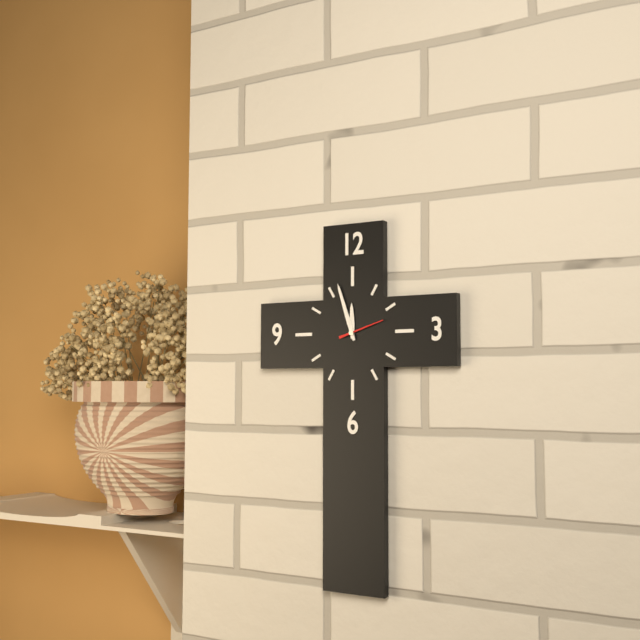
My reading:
h=11 m=57
